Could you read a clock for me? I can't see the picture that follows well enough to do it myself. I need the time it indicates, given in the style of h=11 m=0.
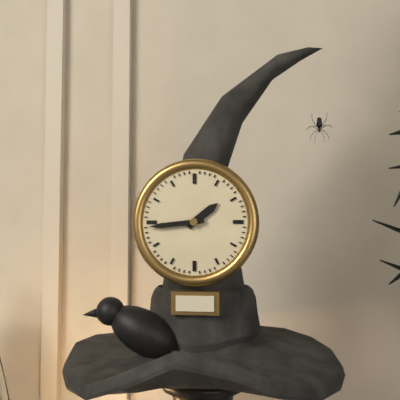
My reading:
h=1 m=44
